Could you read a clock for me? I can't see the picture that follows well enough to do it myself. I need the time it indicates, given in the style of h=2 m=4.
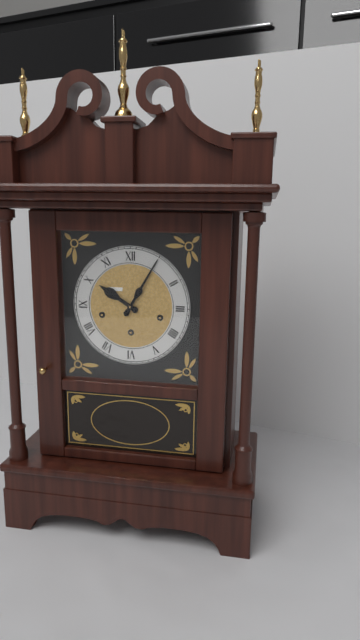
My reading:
h=10 m=5
